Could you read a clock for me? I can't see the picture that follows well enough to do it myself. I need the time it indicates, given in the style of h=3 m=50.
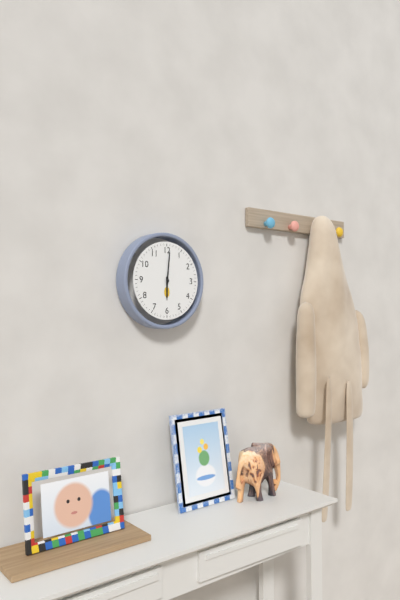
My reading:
h=6 m=1
